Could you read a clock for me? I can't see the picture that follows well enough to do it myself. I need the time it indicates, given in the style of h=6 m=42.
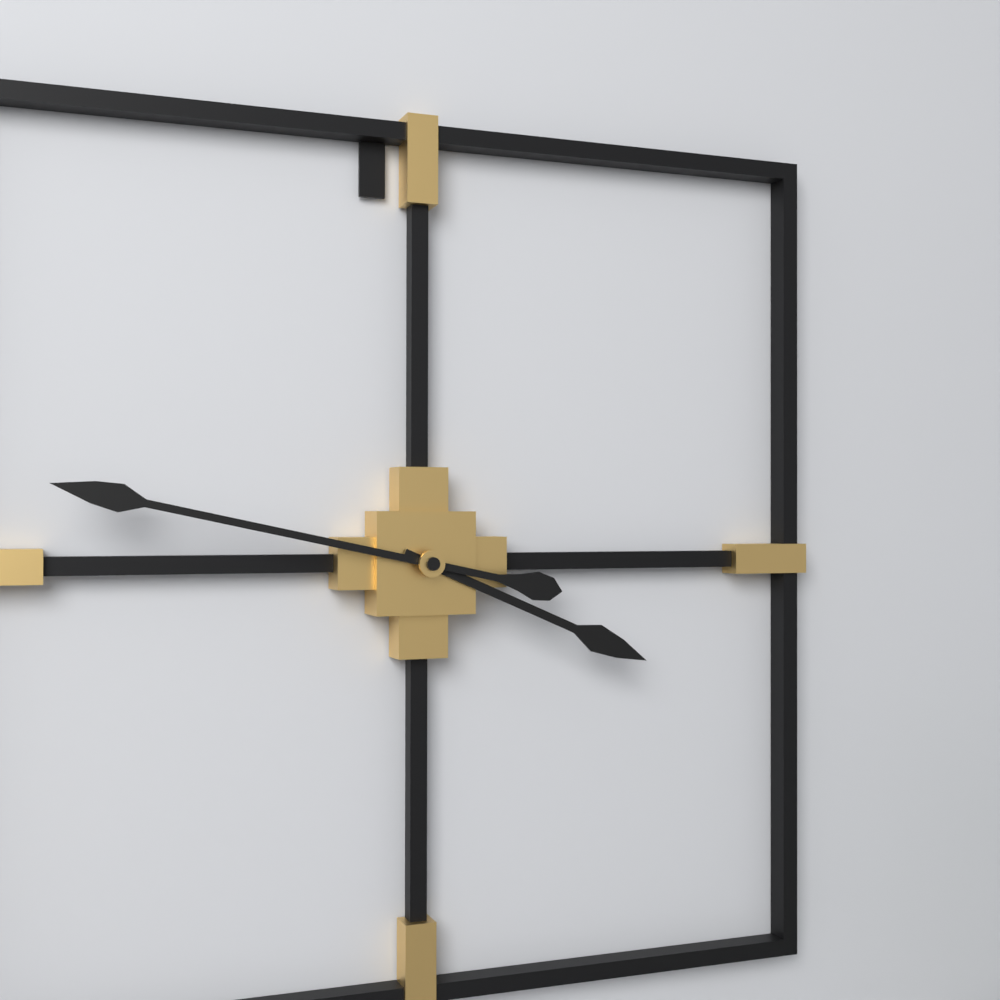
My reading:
h=3 m=47
